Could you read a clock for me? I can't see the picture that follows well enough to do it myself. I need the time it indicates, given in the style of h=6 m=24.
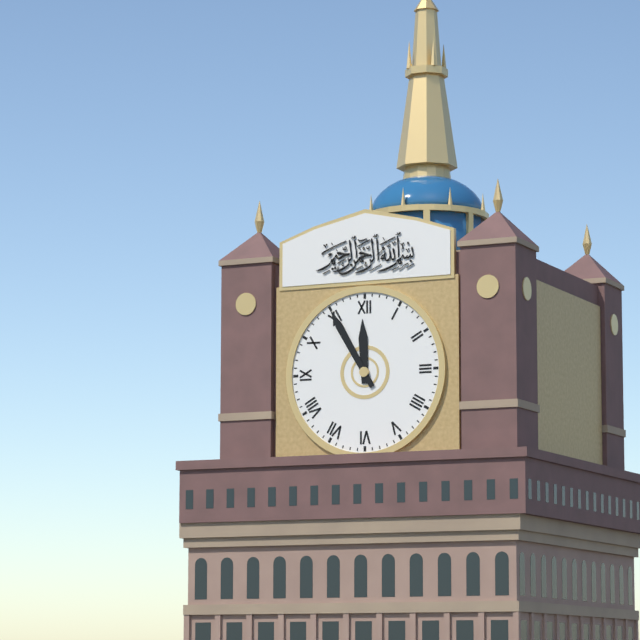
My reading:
h=11 m=55
